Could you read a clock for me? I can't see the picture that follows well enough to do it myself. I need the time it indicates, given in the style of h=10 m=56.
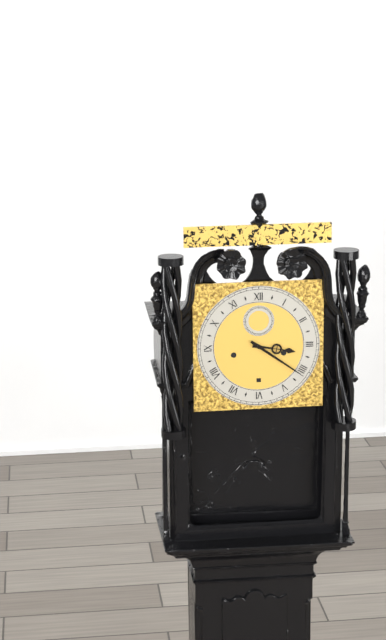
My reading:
h=3 m=21
